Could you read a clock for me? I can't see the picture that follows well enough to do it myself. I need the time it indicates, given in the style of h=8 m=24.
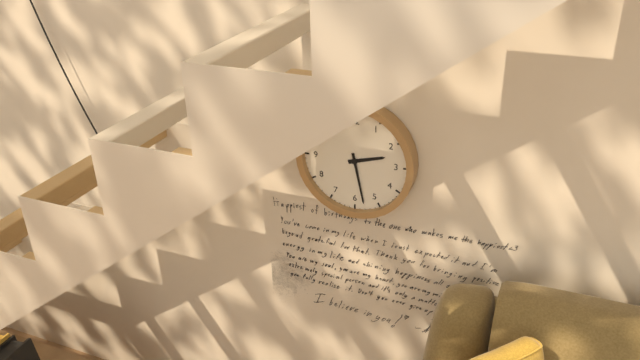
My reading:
h=2 m=28
